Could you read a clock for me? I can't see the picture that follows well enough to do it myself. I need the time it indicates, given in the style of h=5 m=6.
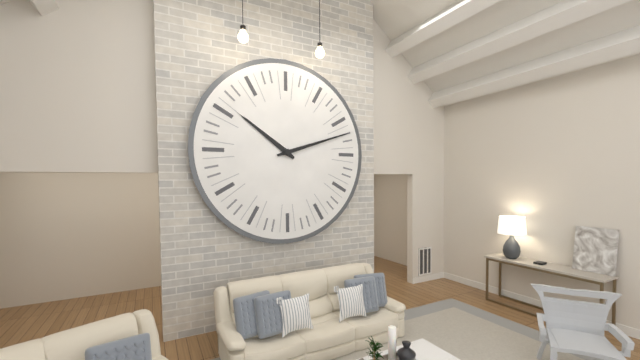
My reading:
h=10 m=12
